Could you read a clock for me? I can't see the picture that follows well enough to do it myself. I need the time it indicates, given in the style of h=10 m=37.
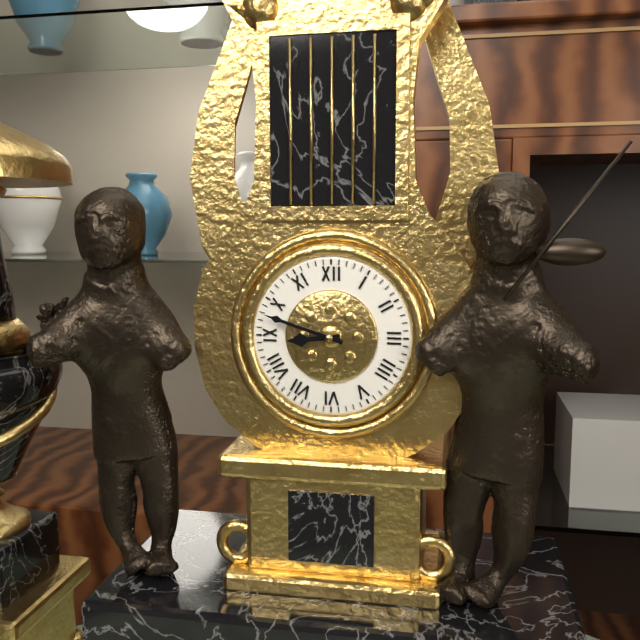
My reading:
h=8 m=48
